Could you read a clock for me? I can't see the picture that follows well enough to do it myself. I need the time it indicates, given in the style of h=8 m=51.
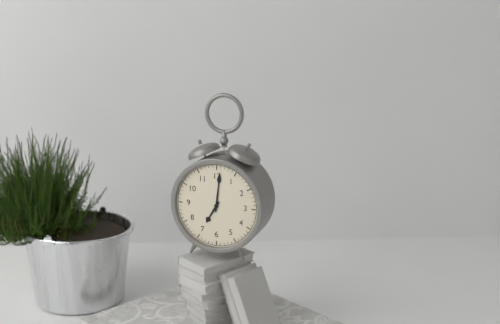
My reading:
h=7 m=1
